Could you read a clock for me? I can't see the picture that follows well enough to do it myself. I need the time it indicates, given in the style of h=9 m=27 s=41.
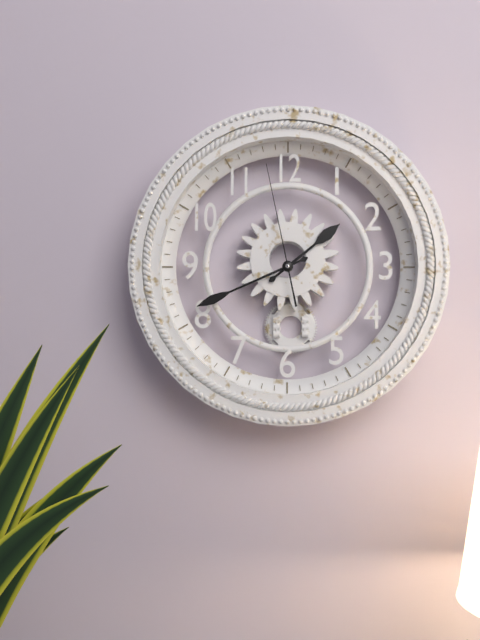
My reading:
h=1 m=41 s=58
